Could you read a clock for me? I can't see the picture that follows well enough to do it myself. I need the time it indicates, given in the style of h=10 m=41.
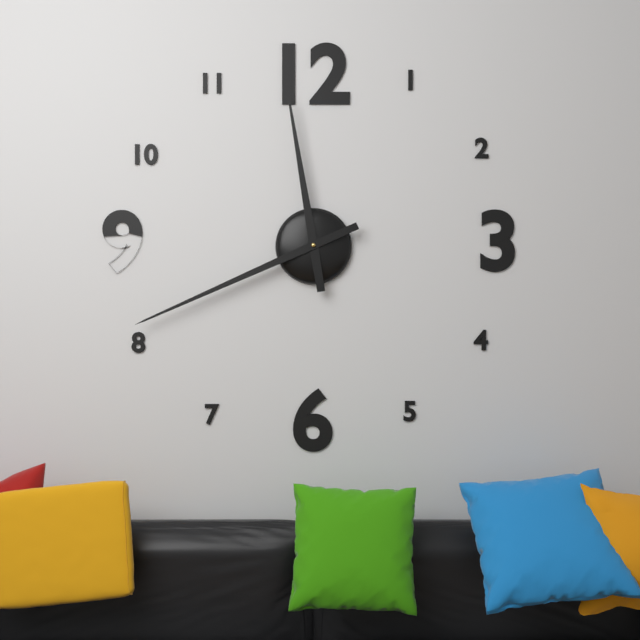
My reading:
h=11 m=41
